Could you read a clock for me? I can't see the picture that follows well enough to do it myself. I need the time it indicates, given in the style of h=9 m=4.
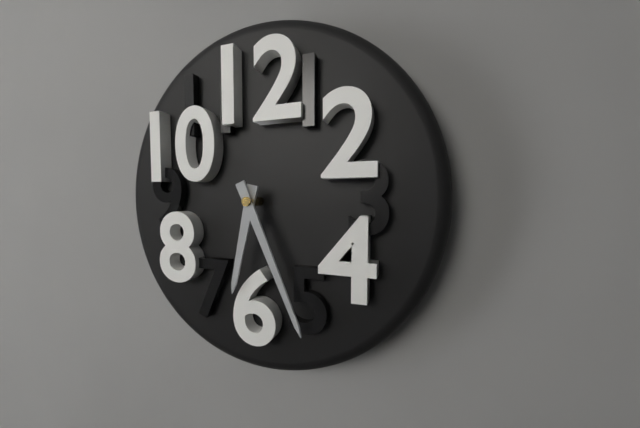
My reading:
h=6 m=26
